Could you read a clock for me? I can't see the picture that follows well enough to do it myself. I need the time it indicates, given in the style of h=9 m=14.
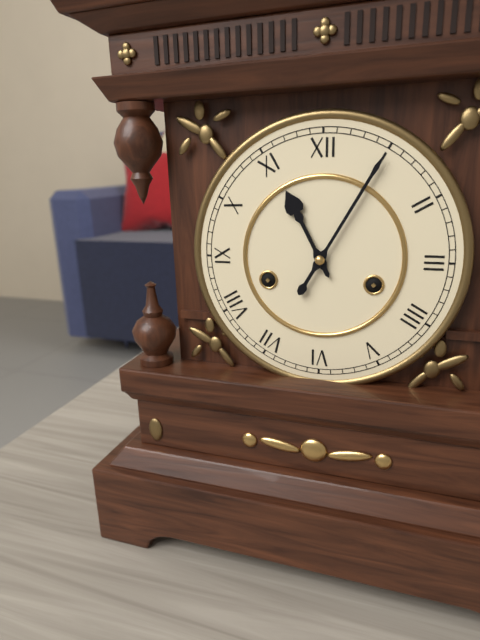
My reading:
h=11 m=5
